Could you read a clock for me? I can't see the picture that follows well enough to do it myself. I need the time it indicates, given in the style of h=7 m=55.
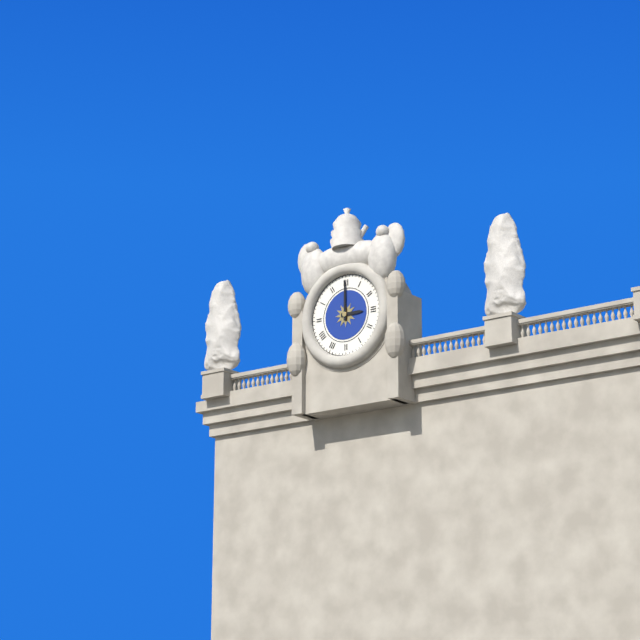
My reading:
h=3 m=0
